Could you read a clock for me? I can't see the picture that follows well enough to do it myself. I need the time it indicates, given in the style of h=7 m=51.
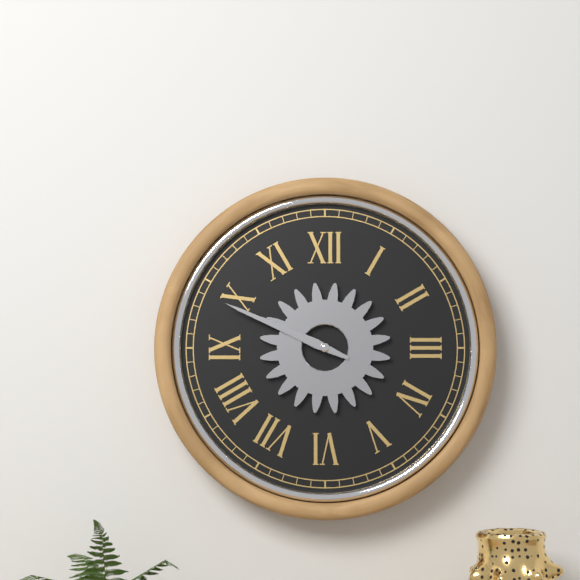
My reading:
h=9 m=49
